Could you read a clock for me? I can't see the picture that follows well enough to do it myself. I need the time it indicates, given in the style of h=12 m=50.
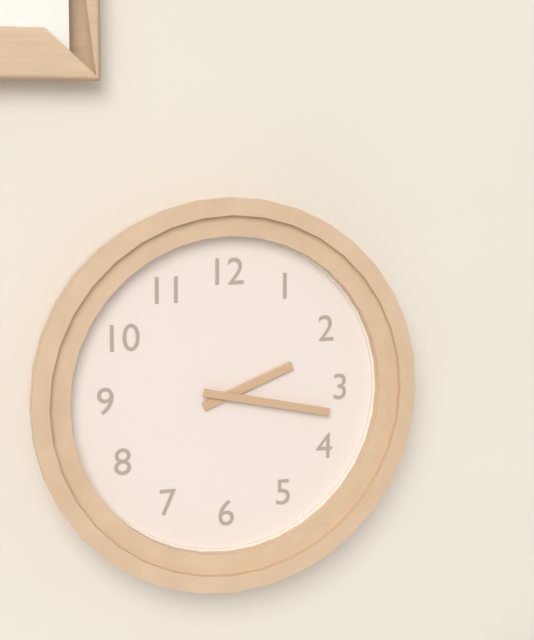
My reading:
h=2 m=17
